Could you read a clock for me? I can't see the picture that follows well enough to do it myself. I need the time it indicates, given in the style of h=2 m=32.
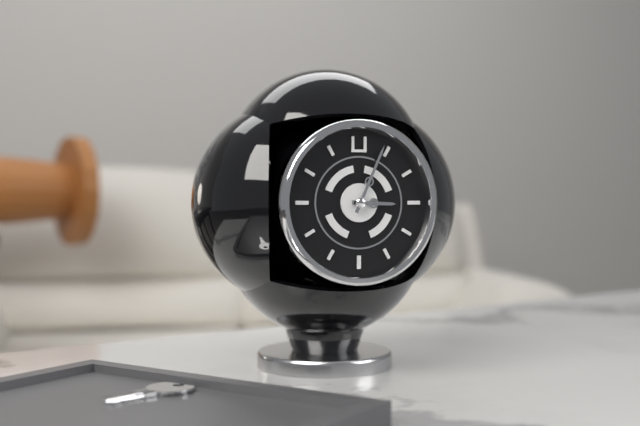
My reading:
h=3 m=4
